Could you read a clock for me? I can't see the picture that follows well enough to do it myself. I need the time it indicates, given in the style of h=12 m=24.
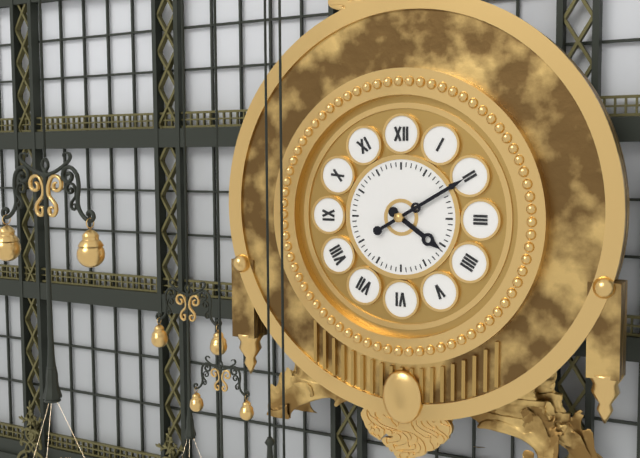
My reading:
h=4 m=10
